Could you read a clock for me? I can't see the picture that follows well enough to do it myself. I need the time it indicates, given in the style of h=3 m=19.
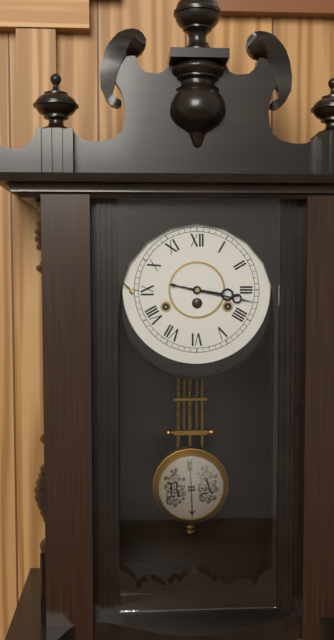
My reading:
h=3 m=17
